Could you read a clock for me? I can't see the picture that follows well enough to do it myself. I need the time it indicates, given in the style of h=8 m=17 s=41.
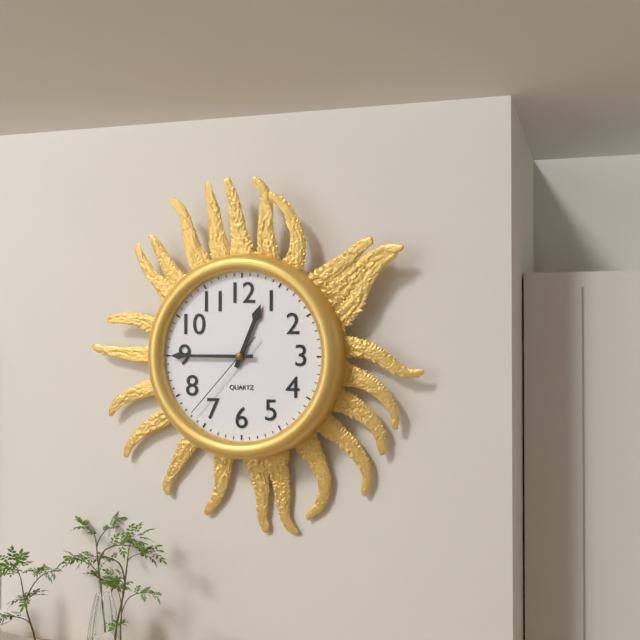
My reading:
h=12 m=45 s=37
